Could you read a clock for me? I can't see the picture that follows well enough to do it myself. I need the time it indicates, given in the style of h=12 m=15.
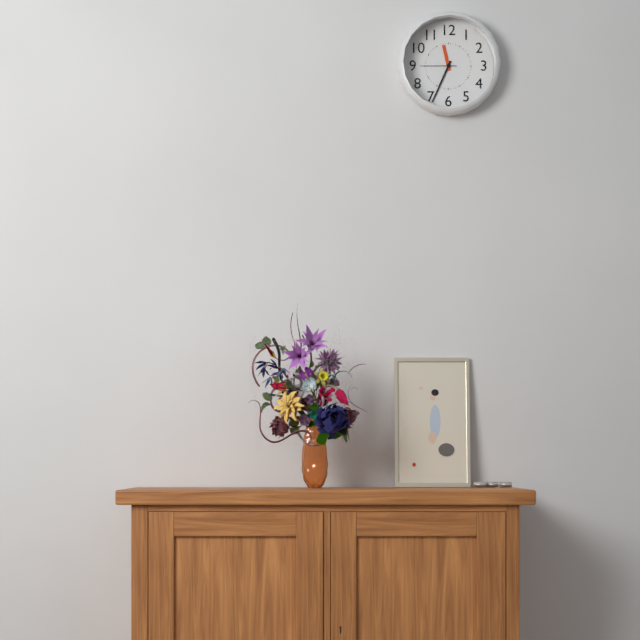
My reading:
h=11 m=34
